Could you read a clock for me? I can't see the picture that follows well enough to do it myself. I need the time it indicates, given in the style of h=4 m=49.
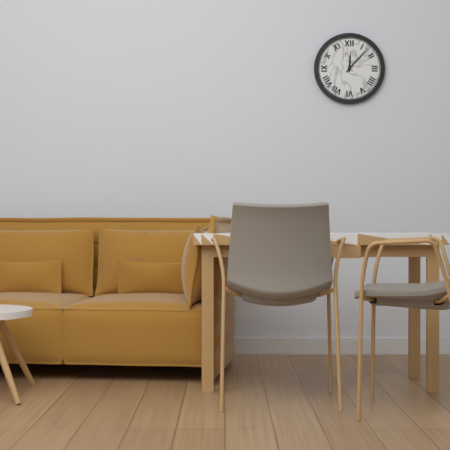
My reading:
h=12 m=7
